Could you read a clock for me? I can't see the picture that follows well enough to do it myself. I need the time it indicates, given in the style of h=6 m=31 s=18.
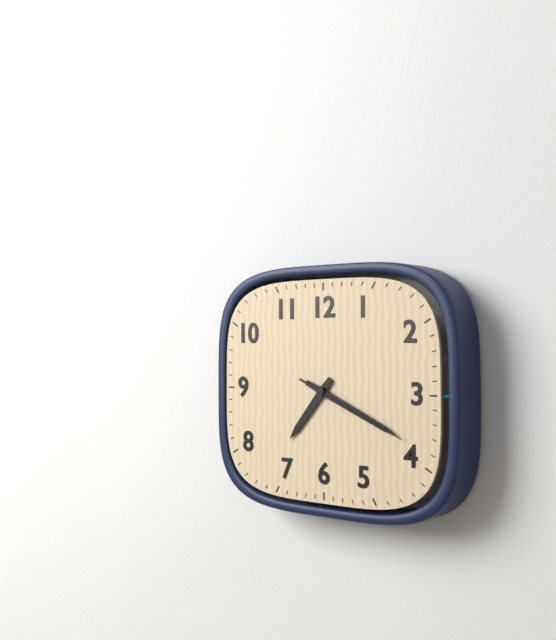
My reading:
h=7 m=19 s=19
